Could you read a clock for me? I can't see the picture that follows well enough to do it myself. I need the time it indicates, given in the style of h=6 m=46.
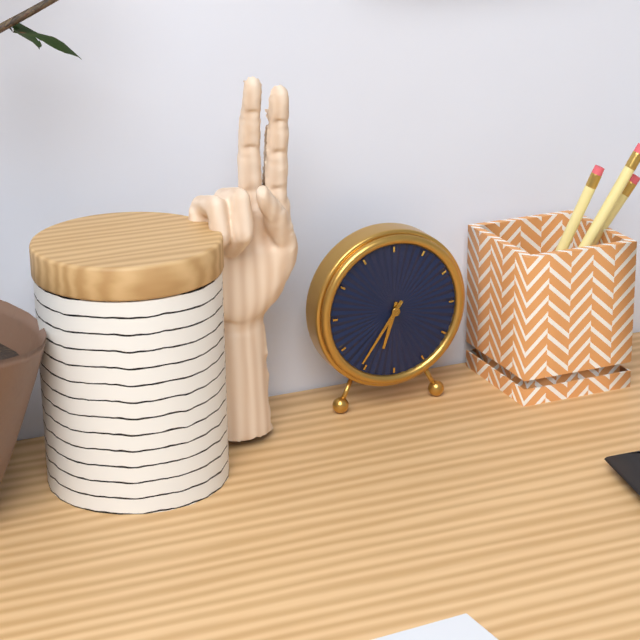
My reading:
h=6 m=36
